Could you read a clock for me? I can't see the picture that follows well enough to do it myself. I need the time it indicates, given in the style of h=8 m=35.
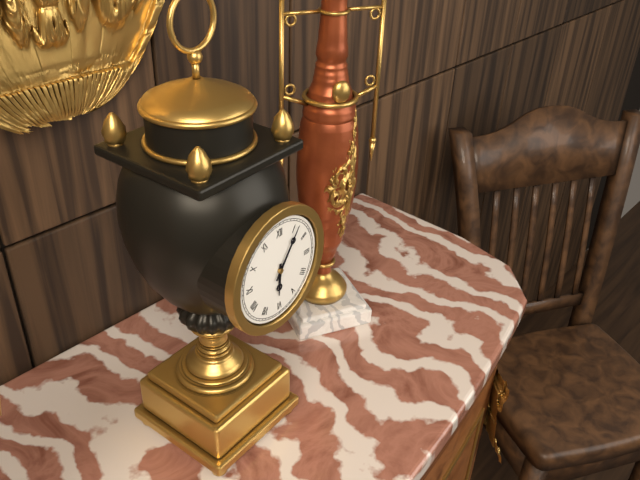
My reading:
h=6 m=6
